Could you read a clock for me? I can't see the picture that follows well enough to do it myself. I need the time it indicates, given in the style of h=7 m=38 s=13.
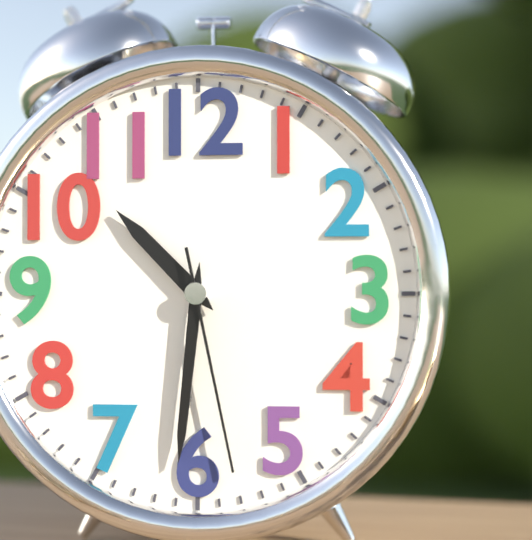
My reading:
h=10 m=31 s=28
